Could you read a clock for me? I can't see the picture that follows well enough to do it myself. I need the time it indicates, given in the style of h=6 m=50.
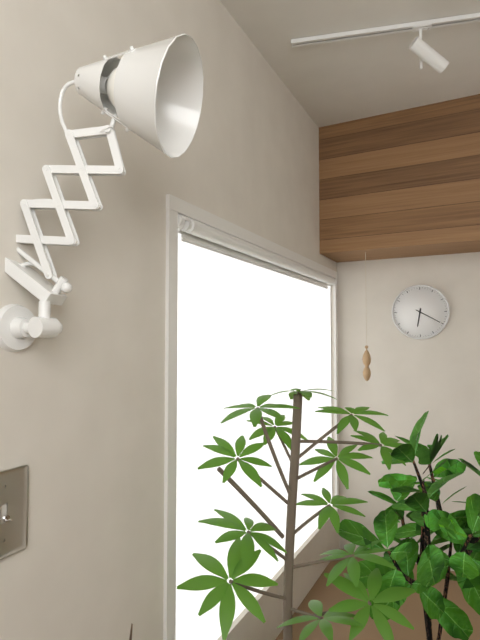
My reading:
h=6 m=20
